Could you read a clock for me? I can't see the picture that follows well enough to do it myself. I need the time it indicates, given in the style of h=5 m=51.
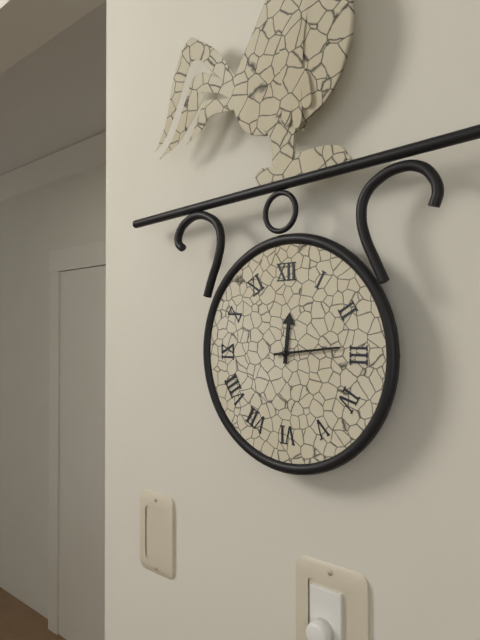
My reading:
h=12 m=14
